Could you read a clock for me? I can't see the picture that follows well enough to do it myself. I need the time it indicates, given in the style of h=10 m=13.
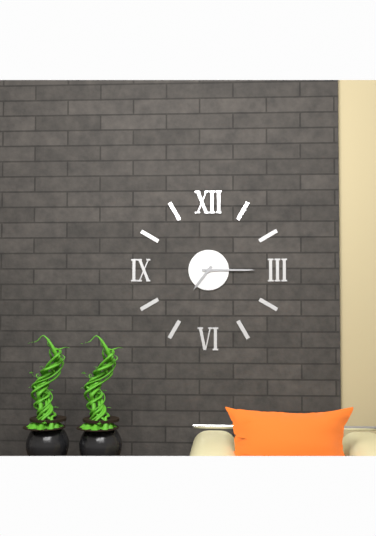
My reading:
h=7 m=15
